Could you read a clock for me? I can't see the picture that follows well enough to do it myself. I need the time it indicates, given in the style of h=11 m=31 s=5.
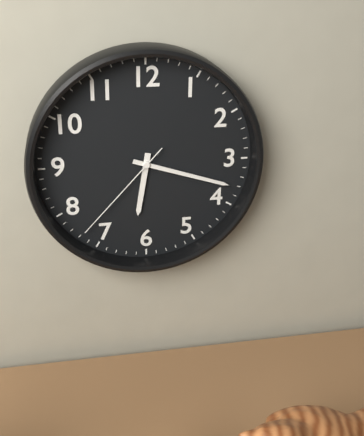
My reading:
h=6 m=18 s=37
